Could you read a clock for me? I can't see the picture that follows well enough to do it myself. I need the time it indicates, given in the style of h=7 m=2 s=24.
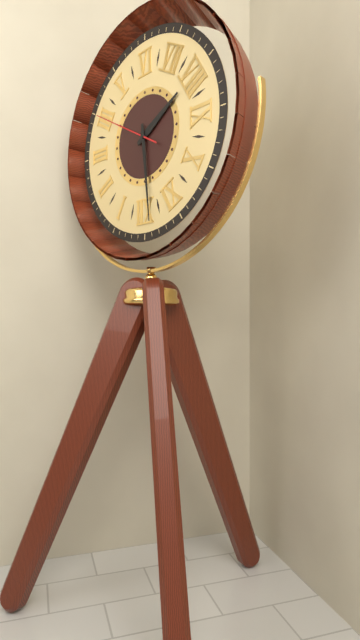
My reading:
h=7 m=59 s=20
